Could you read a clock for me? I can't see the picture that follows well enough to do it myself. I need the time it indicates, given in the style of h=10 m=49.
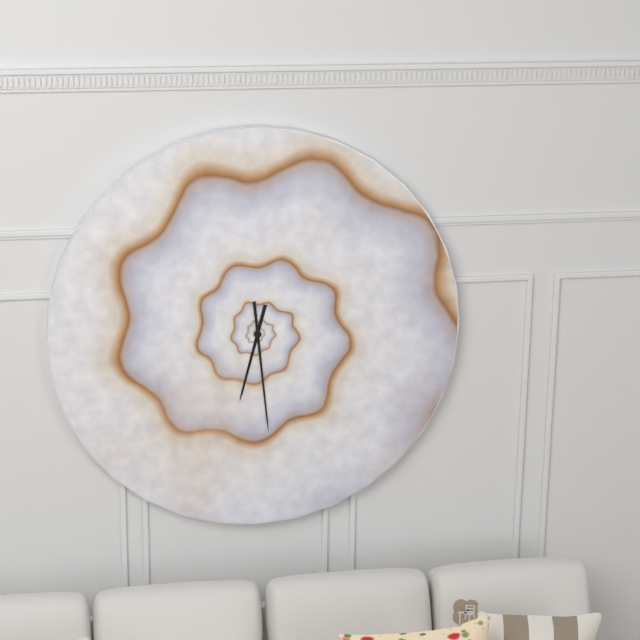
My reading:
h=6 m=29
